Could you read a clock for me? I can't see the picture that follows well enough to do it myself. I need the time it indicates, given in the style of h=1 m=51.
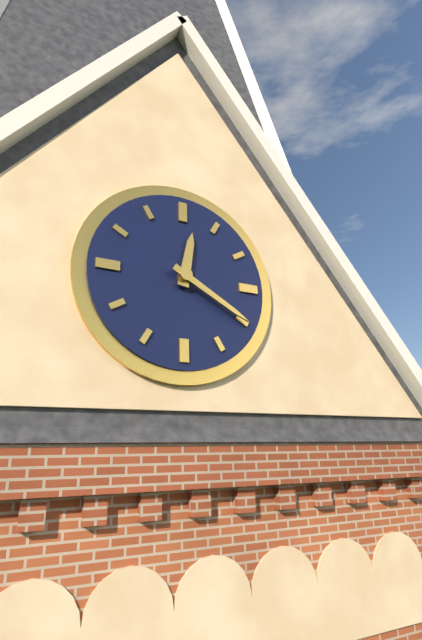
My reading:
h=12 m=20
